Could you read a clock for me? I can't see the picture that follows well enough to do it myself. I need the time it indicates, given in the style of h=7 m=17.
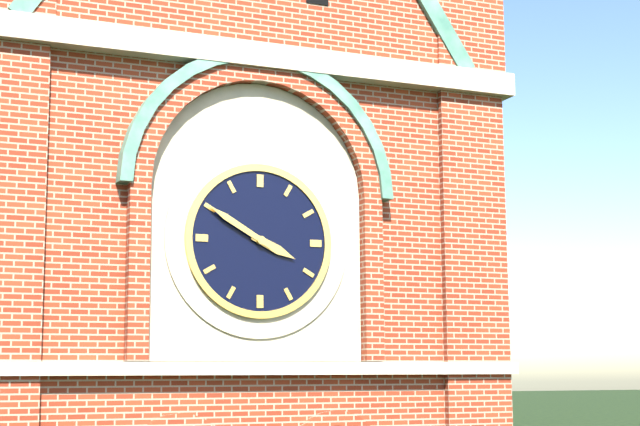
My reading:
h=3 m=50
